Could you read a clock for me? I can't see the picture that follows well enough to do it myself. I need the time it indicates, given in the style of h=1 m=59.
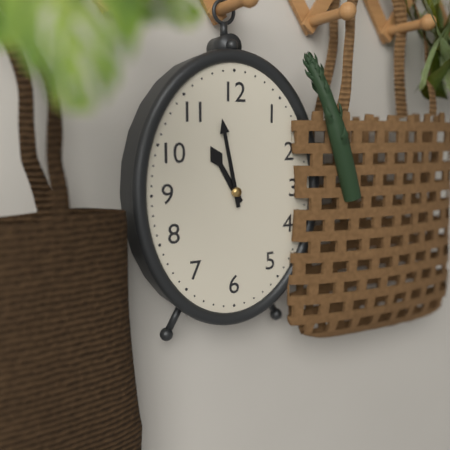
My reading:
h=10 m=58
